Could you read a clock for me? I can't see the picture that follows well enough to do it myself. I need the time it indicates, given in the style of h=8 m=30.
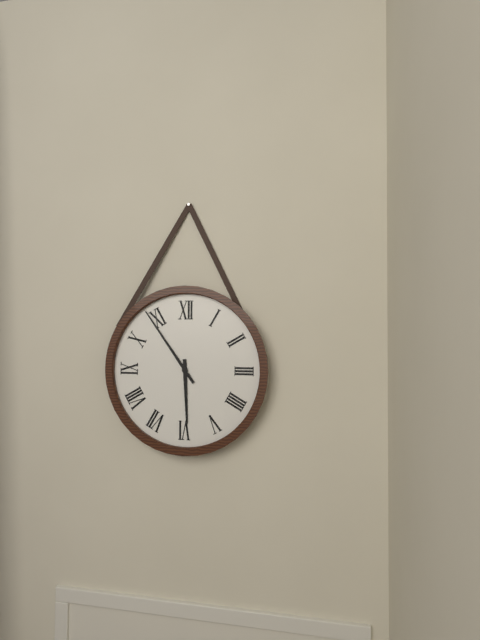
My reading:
h=5 m=54
